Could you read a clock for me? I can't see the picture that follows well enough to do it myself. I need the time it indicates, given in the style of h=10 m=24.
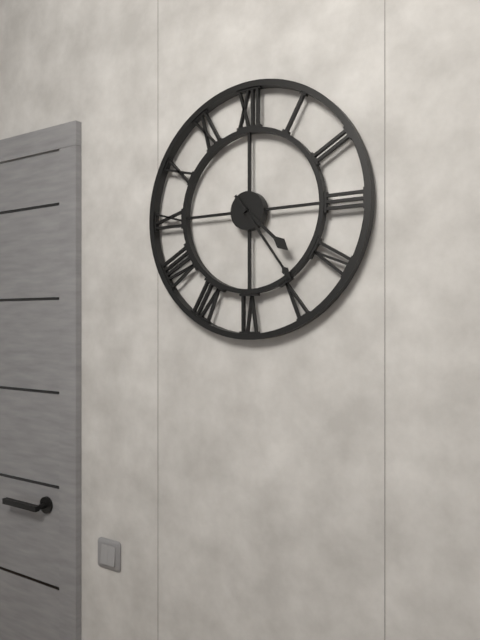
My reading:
h=4 m=24
